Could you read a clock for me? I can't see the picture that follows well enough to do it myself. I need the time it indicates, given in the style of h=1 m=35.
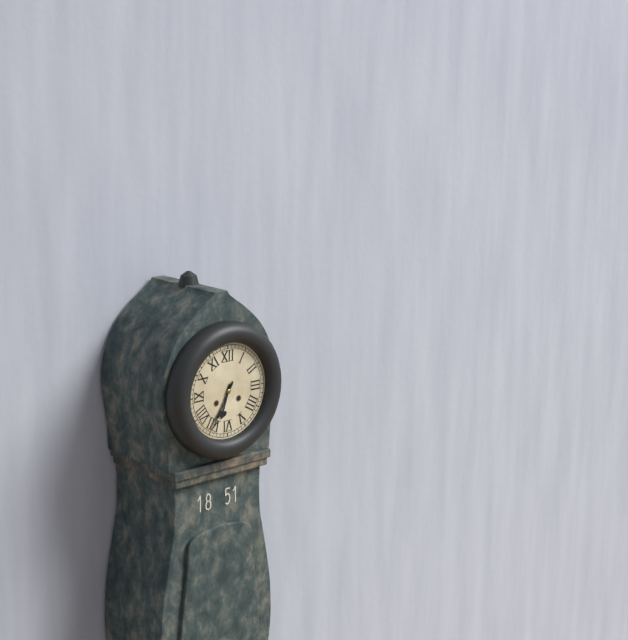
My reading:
h=6 m=35
